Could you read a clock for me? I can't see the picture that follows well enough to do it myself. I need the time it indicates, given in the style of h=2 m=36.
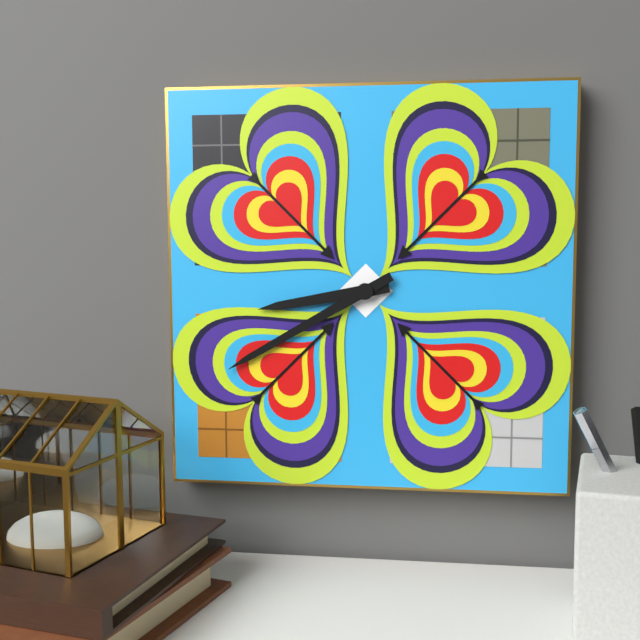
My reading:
h=8 m=40
